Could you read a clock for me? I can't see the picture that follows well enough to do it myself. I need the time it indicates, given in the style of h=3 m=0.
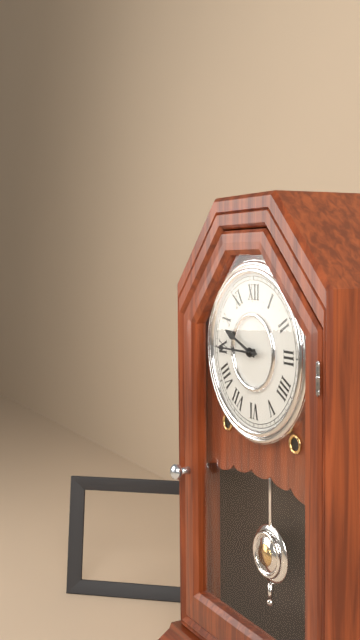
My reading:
h=9 m=45
